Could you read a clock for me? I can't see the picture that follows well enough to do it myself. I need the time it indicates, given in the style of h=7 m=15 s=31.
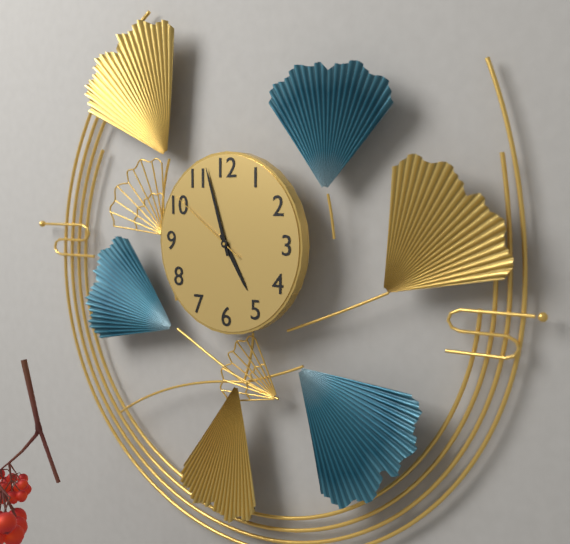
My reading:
h=4 m=57 s=51
